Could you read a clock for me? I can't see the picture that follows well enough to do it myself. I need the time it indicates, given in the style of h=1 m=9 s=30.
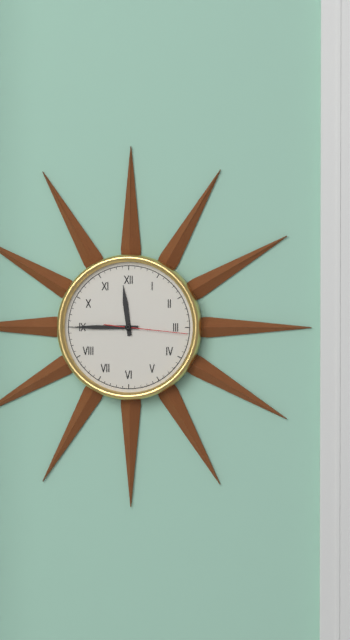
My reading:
h=11 m=45 s=16
